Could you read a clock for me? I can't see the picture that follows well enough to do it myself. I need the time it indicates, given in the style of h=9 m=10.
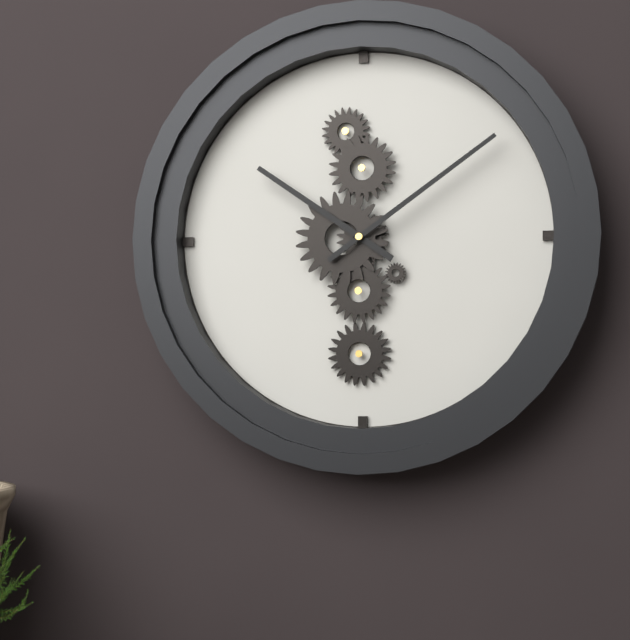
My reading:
h=10 m=9
